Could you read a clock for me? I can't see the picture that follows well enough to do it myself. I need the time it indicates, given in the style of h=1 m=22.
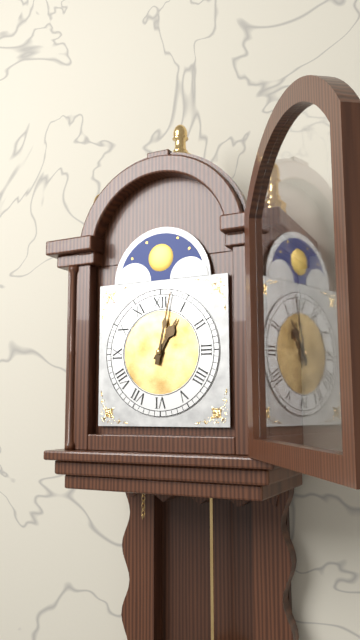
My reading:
h=1 m=2
